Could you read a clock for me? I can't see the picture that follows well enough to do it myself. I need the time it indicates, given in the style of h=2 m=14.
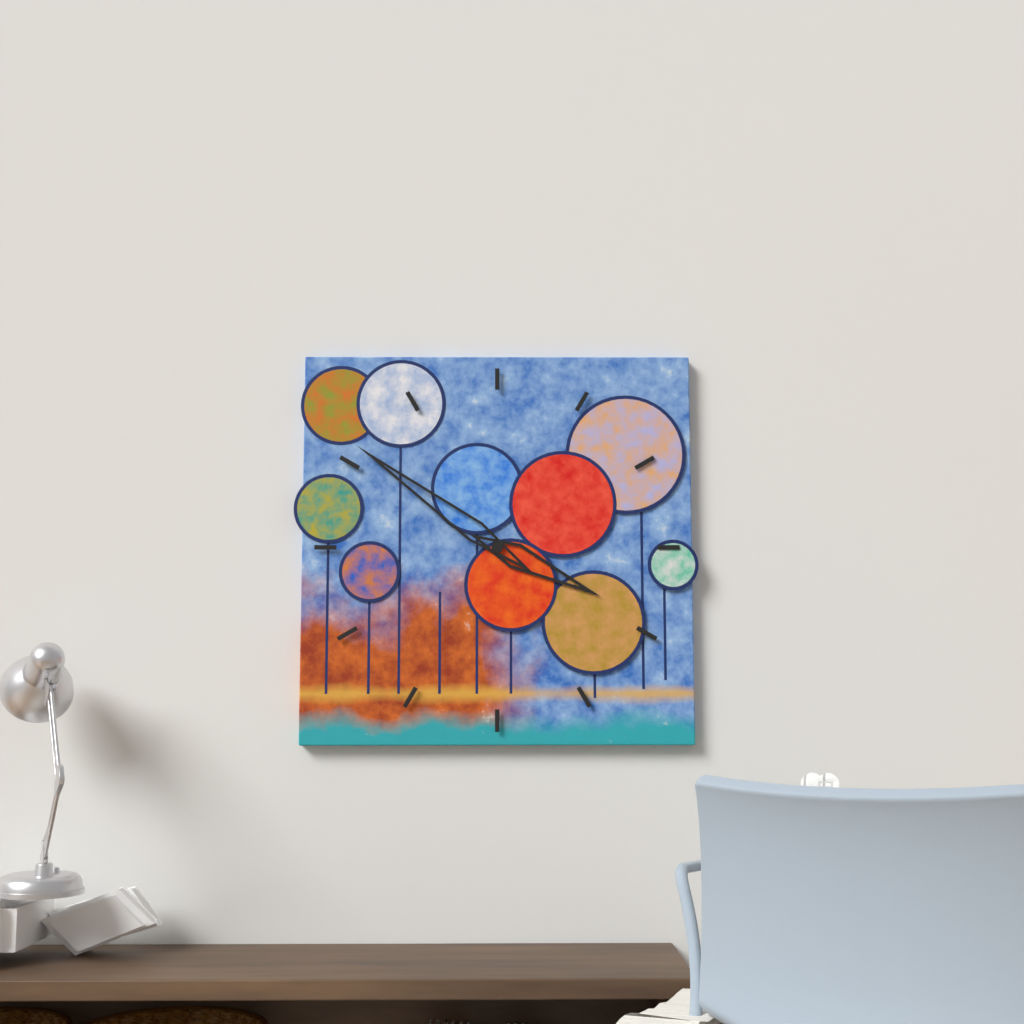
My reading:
h=3 m=51
